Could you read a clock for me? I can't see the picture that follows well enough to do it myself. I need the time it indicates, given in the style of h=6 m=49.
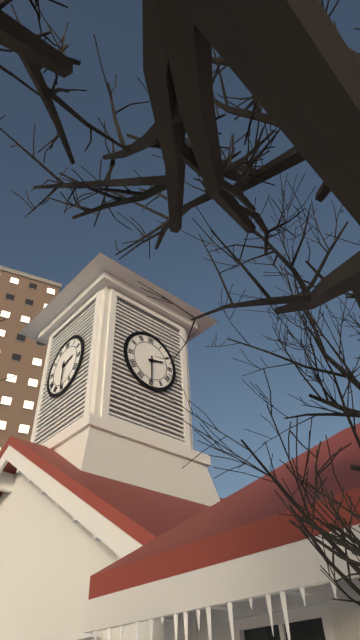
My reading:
h=2 m=30
